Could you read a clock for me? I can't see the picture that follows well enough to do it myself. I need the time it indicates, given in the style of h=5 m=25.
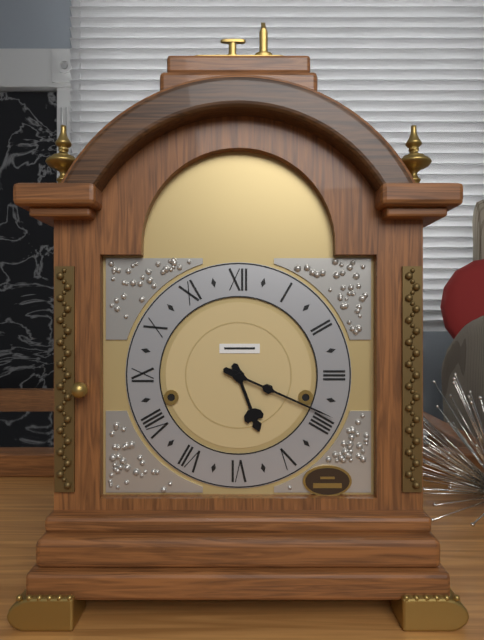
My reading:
h=5 m=19
